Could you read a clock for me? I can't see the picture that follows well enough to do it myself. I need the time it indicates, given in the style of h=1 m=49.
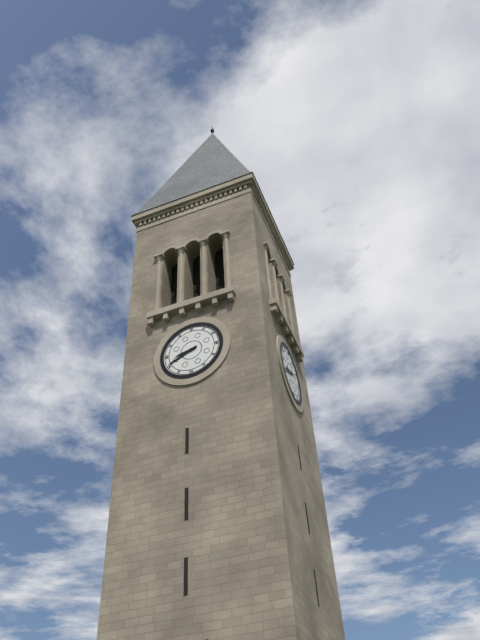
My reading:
h=8 m=41
